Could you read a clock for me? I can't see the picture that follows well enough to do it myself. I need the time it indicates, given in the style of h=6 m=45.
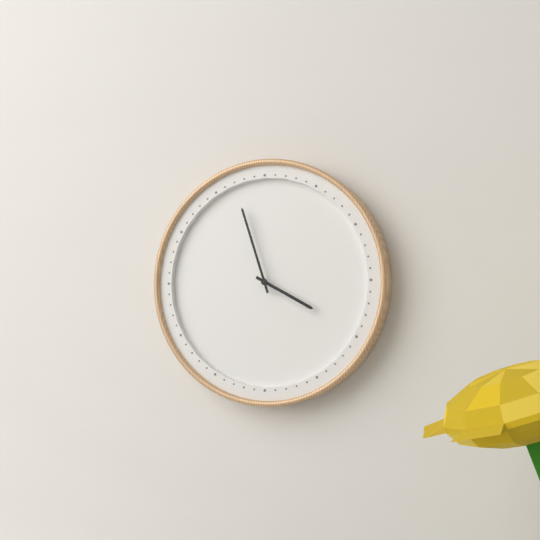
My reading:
h=3 m=57
